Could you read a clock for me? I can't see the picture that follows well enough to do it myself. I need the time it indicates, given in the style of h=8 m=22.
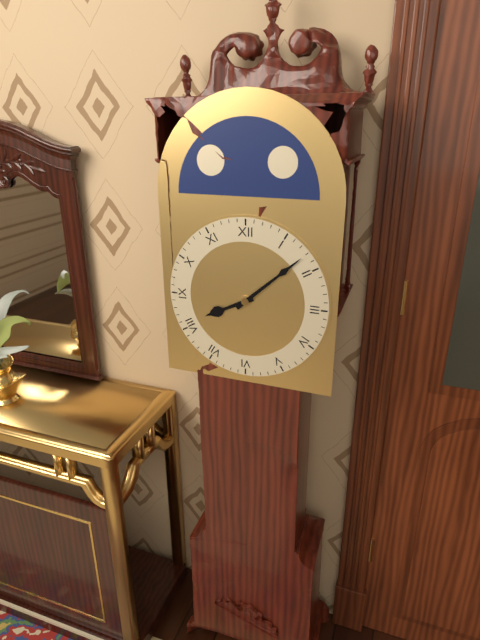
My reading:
h=8 m=8
